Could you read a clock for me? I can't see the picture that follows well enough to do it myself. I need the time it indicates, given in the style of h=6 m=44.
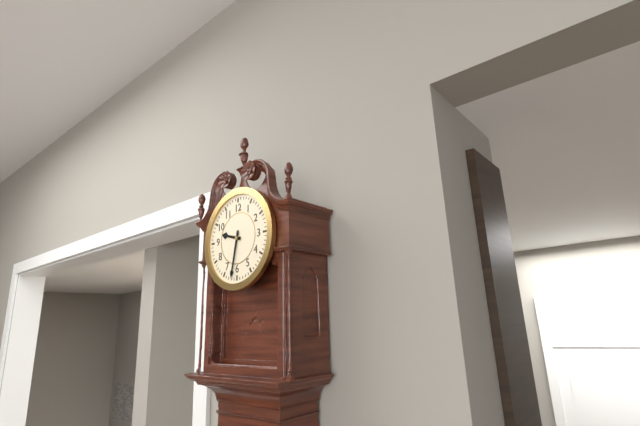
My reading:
h=9 m=32
